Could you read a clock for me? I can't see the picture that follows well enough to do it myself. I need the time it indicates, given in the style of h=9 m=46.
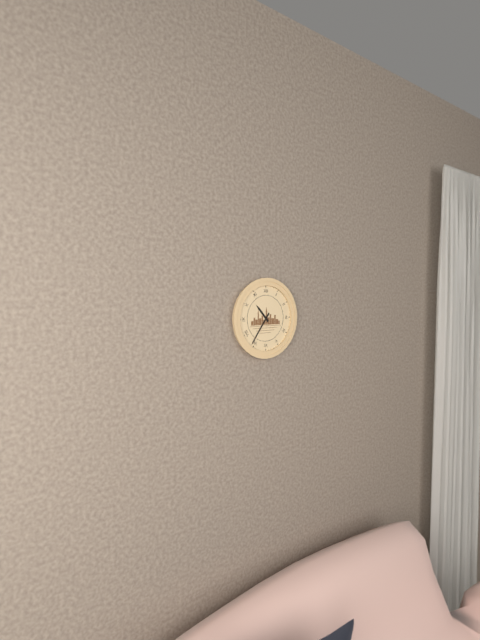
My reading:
h=10 m=36
